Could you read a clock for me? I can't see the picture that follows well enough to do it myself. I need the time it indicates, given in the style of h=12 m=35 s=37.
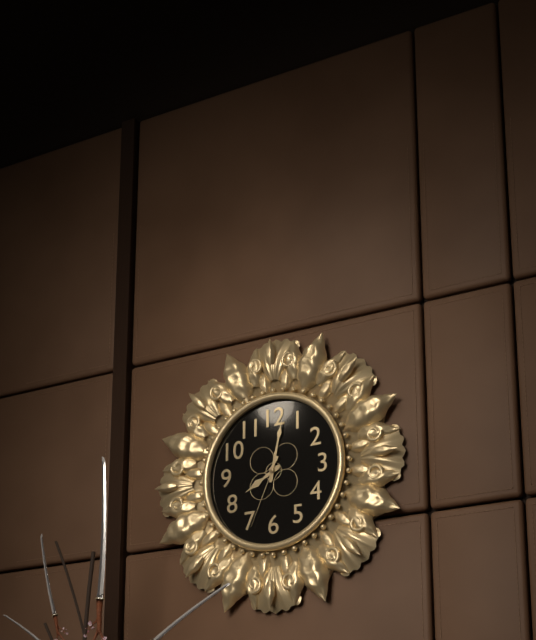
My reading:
h=8 m=2 s=34
